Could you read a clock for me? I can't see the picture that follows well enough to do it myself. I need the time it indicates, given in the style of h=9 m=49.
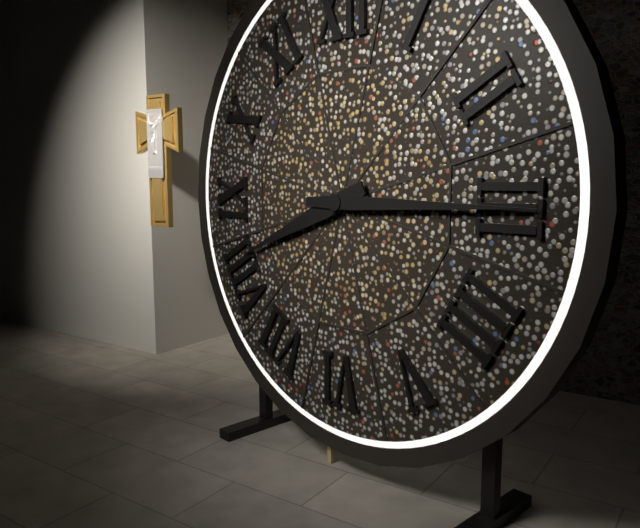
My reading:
h=8 m=15
